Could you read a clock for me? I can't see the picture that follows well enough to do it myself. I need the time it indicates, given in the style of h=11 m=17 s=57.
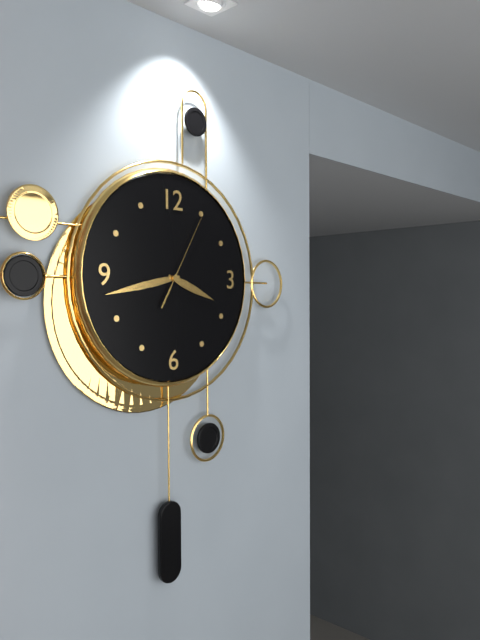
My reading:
h=3 m=43 s=5
